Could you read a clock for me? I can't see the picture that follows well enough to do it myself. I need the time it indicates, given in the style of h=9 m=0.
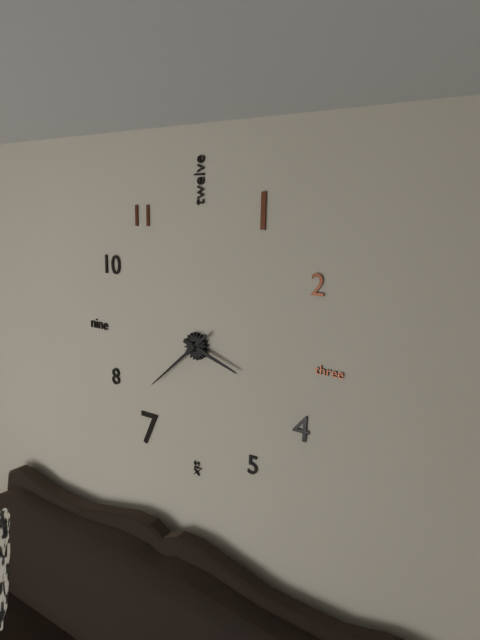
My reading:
h=3 m=38
